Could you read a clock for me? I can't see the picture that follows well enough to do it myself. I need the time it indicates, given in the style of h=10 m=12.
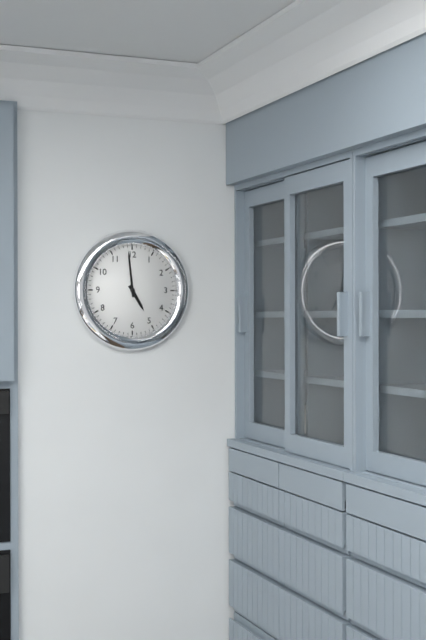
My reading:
h=4 m=59
